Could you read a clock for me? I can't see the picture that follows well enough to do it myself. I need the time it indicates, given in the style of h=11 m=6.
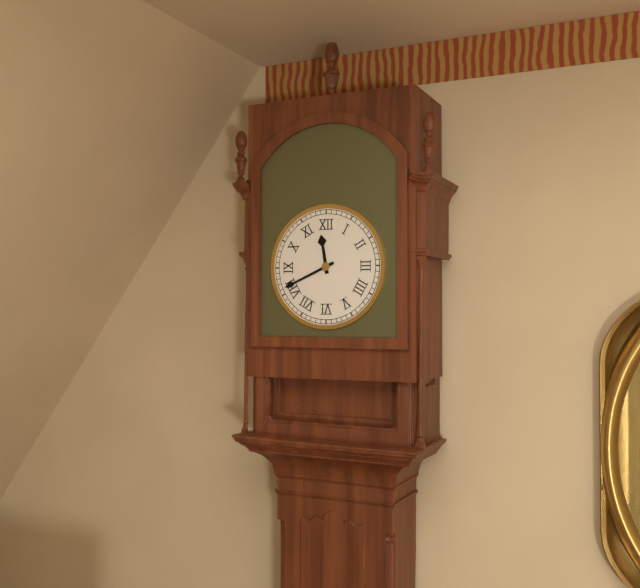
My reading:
h=11 m=41
